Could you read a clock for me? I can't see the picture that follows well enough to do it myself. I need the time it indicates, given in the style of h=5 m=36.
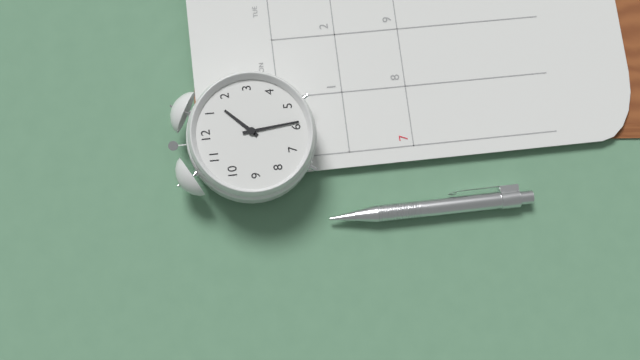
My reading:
h=1 m=29
